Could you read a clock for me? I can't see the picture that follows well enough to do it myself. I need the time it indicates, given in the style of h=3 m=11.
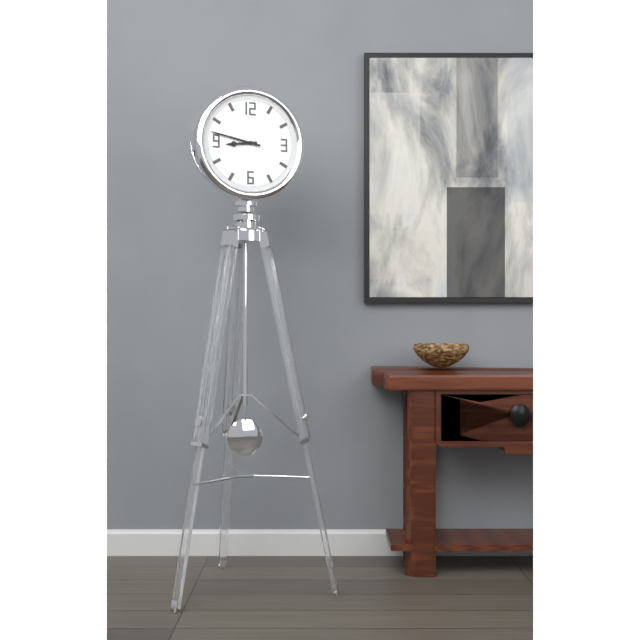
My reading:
h=8 m=47
